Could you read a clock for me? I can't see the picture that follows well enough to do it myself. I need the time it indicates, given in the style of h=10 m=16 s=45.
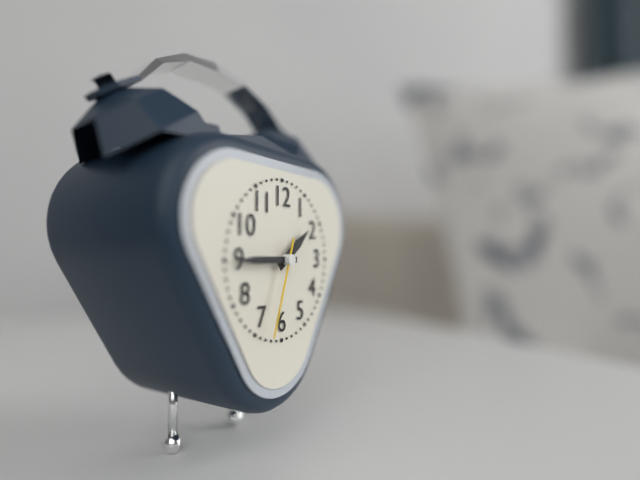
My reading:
h=1 m=45 s=33
